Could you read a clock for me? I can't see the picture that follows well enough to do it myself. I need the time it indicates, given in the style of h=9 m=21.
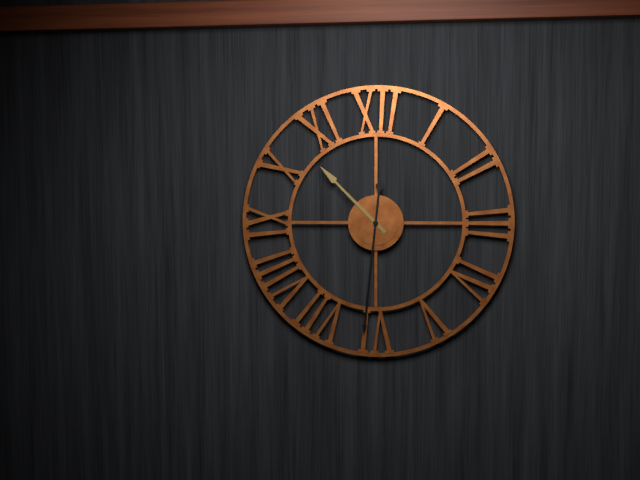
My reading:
h=10 m=31
